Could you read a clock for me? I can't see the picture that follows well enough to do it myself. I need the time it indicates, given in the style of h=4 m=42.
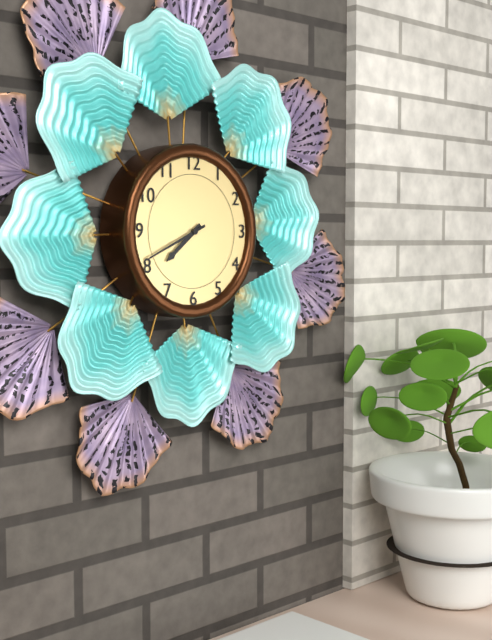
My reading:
h=7 m=41
